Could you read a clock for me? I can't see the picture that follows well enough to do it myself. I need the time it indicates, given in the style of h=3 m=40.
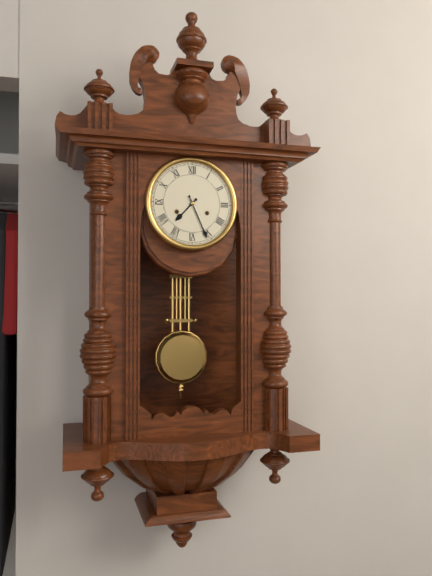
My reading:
h=7 m=26
